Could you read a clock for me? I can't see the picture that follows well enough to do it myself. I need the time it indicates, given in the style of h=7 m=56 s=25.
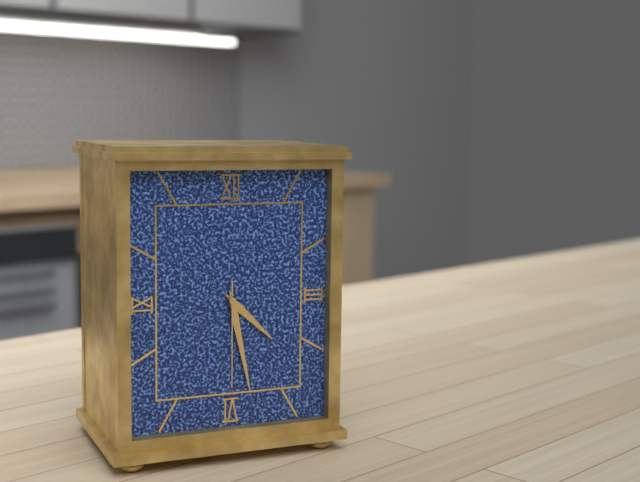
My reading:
h=4 m=28 s=30
